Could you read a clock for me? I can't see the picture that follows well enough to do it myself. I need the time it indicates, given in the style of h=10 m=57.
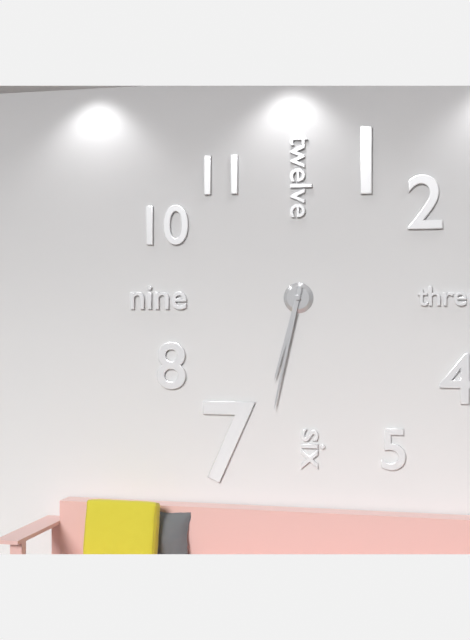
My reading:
h=6 m=32
